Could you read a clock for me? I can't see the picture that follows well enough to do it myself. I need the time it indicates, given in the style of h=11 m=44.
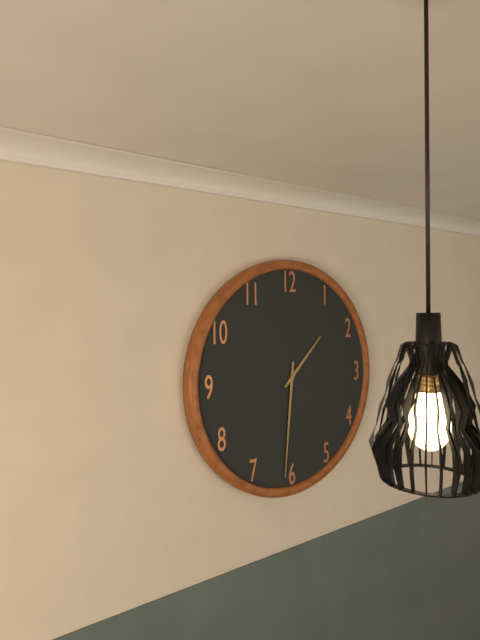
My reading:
h=1 m=31
